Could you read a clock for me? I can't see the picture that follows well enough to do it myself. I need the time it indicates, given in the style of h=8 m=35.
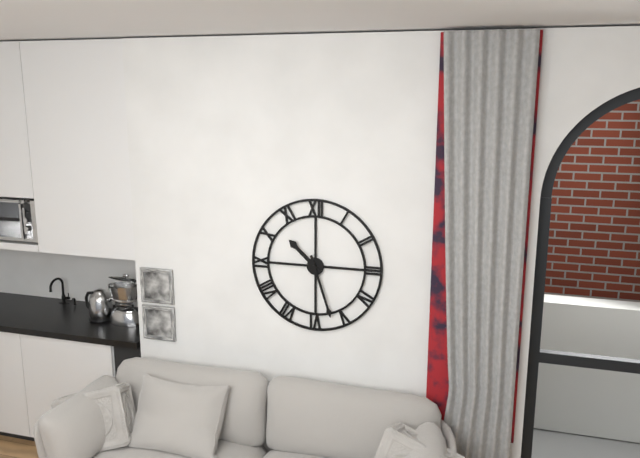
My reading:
h=10 m=27
